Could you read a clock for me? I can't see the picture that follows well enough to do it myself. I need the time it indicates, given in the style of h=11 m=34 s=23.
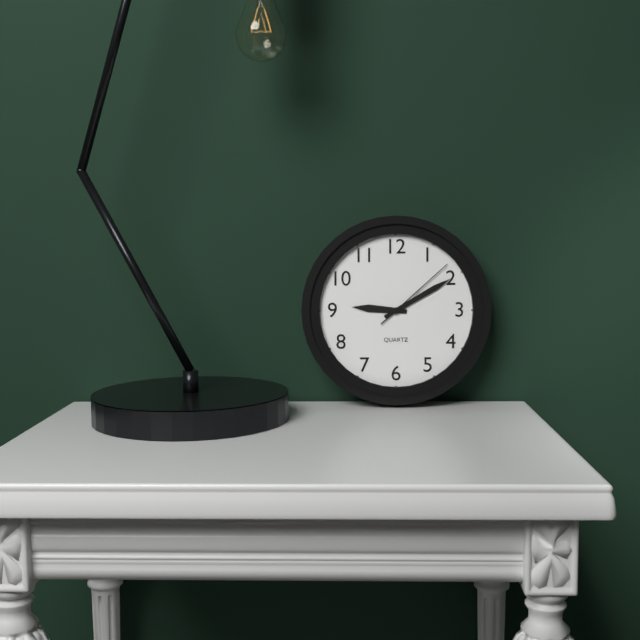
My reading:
h=9 m=10 s=8
